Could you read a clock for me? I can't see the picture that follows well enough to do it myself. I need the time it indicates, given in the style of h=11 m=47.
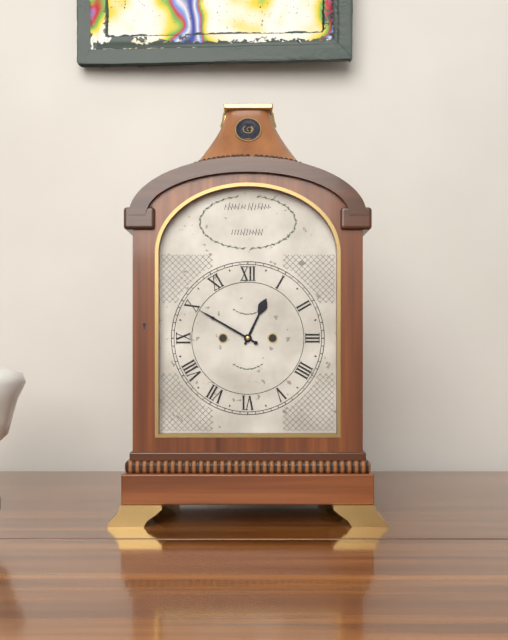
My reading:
h=12 m=50
